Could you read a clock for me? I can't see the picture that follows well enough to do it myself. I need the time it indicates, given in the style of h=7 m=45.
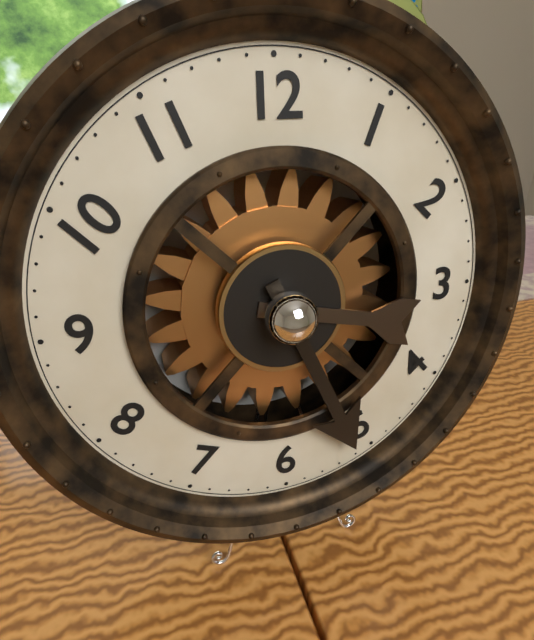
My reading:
h=3 m=26
